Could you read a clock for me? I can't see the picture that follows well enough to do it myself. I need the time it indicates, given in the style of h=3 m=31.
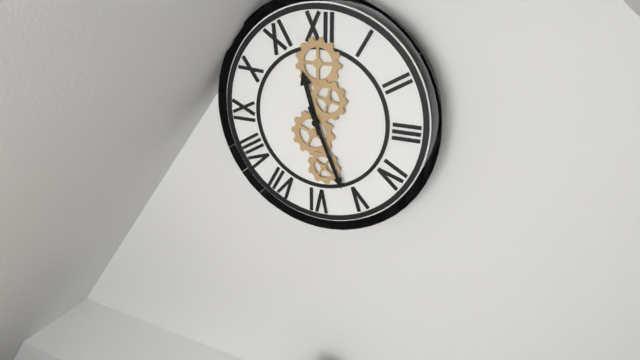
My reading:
h=11 m=26
